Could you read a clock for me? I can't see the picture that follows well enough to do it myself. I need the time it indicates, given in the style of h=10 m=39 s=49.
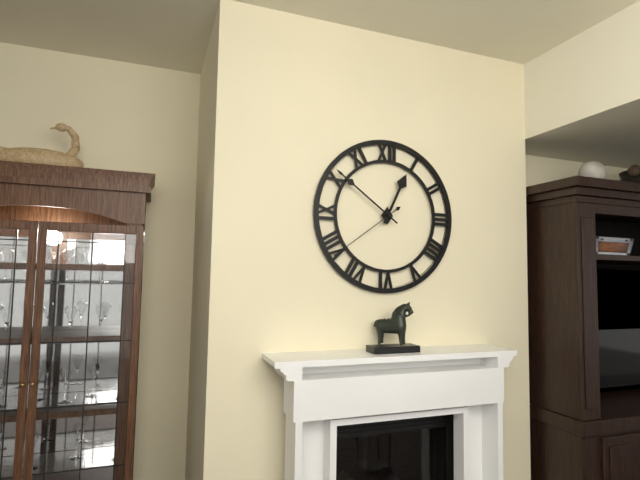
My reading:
h=12 m=51 s=39
